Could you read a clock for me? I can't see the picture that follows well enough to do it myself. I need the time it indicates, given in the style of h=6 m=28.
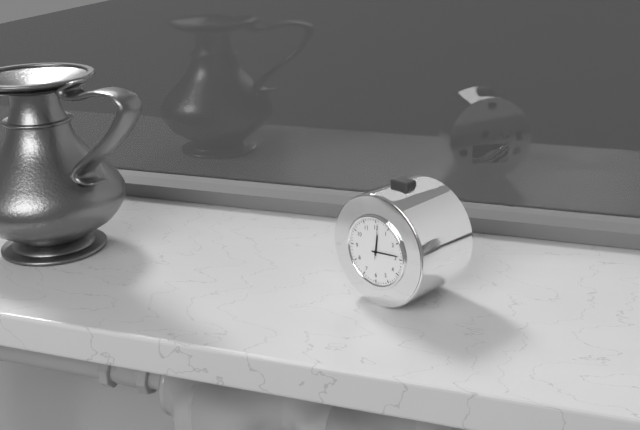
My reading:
h=12 m=14
